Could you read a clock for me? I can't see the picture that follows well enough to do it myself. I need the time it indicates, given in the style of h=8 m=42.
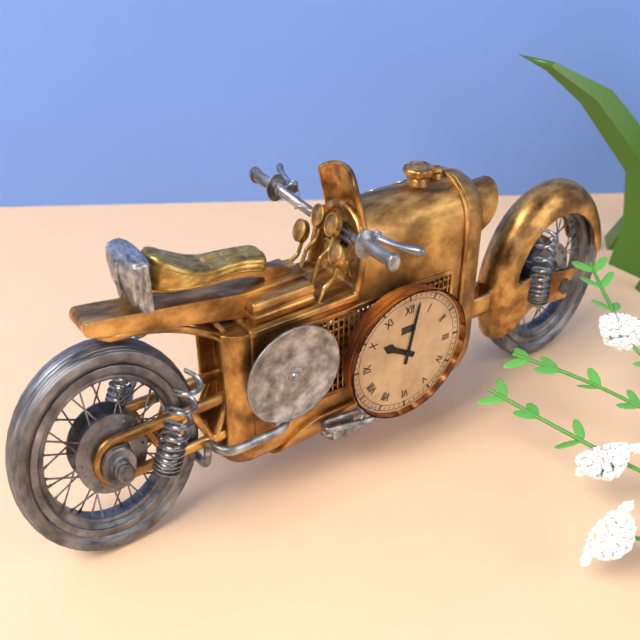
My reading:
h=10 m=2
